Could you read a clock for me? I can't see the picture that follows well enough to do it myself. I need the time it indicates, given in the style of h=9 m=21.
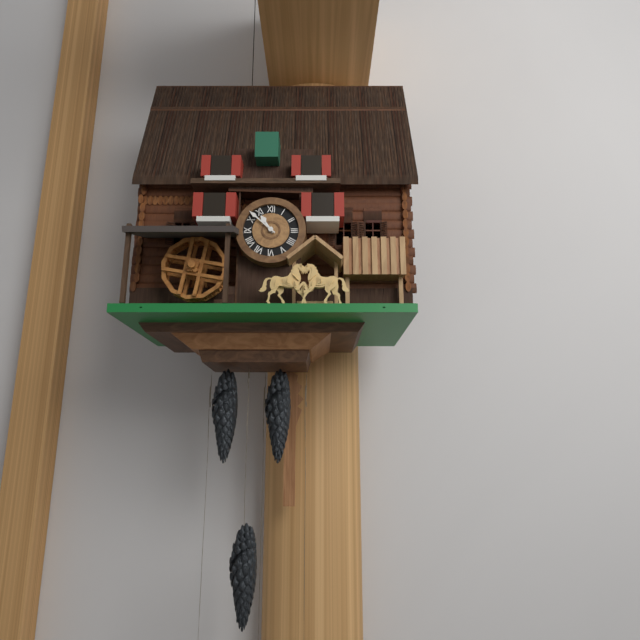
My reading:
h=10 m=52
